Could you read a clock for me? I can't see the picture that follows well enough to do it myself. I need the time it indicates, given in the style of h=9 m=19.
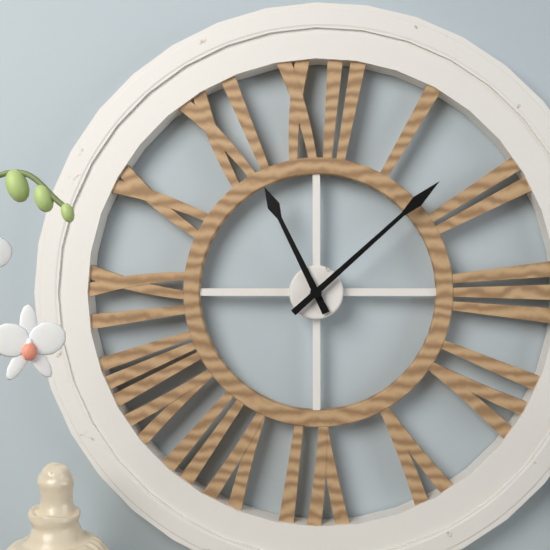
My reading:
h=11 m=8
